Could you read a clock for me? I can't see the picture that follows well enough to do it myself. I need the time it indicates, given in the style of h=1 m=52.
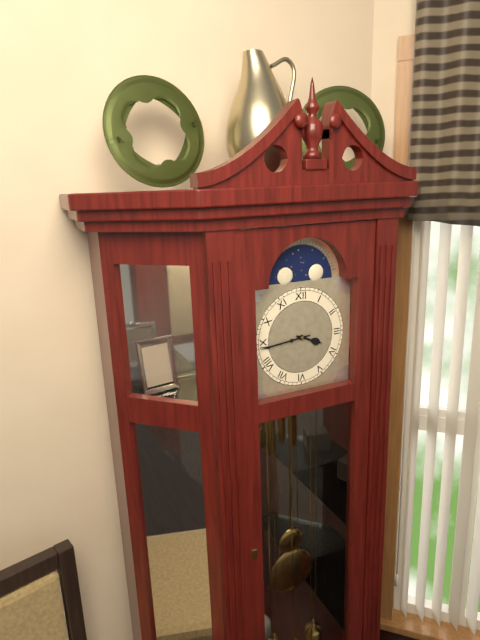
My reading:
h=3 m=44
